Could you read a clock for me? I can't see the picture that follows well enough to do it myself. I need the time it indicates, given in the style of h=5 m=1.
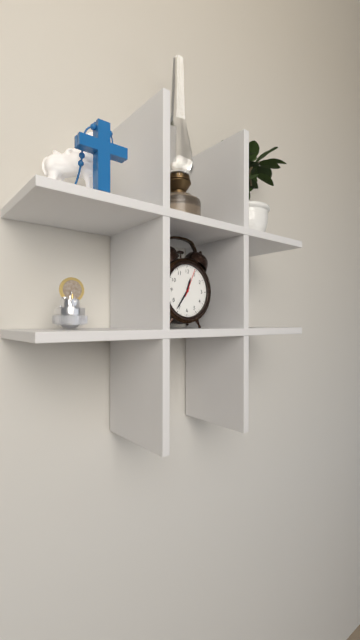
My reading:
h=12 m=36
